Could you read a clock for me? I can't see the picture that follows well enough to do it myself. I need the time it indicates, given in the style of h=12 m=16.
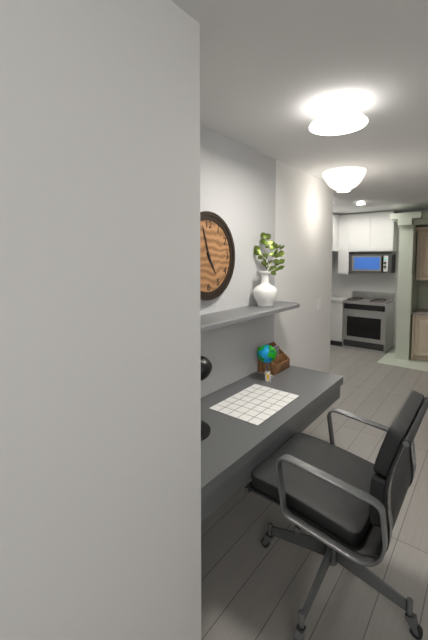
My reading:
h=4 m=57
